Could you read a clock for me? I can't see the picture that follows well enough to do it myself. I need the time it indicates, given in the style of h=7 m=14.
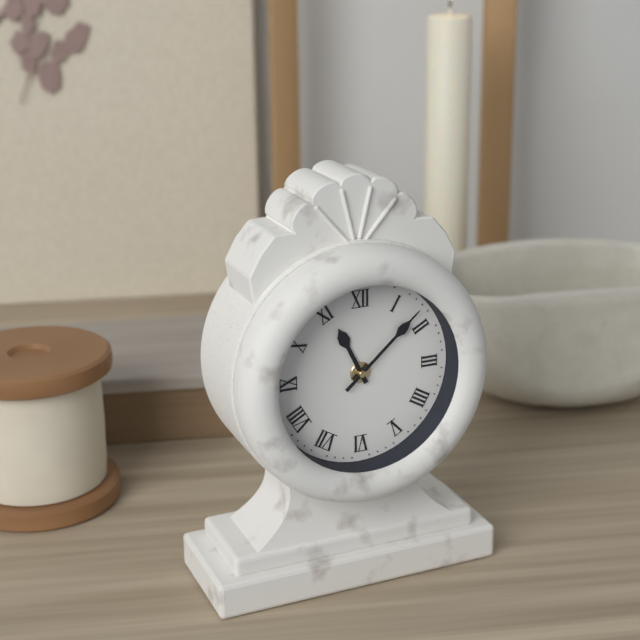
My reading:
h=11 m=8
